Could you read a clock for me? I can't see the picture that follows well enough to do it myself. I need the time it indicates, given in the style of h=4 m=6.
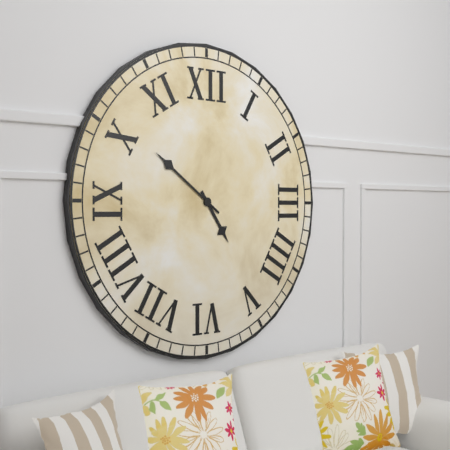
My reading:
h=4 m=51
